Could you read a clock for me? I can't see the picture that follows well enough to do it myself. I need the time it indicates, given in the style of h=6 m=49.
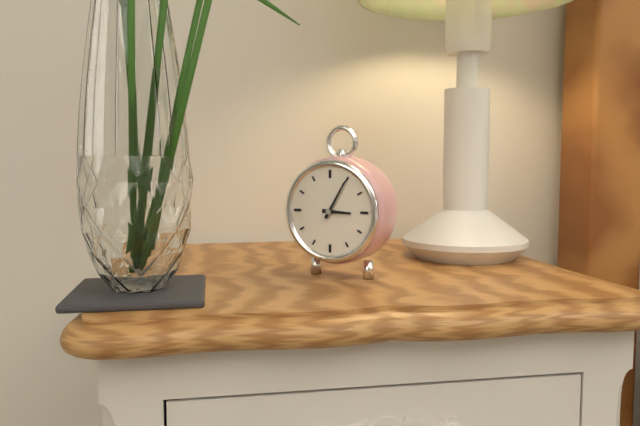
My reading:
h=3 m=5
